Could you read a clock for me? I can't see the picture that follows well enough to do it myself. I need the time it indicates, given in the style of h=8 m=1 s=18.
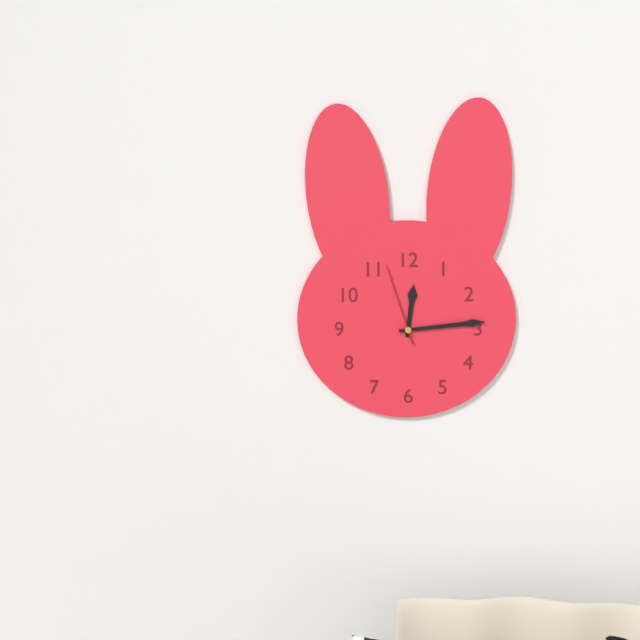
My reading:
h=12 m=14 s=57
